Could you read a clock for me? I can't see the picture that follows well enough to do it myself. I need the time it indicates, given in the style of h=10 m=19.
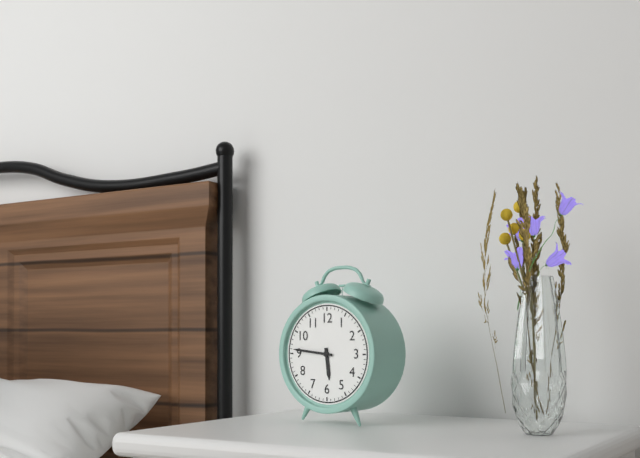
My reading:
h=5 m=46
